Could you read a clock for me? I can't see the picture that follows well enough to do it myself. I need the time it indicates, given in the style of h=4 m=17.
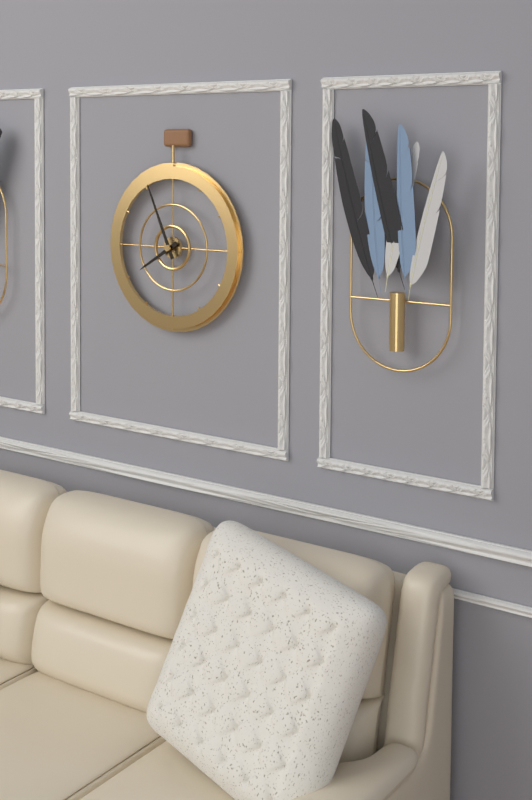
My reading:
h=7 m=56
